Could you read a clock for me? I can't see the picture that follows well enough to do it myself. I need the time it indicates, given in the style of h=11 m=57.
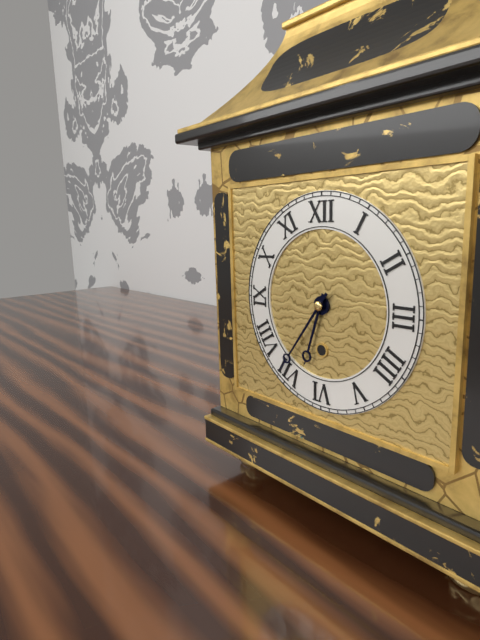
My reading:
h=6 m=36
